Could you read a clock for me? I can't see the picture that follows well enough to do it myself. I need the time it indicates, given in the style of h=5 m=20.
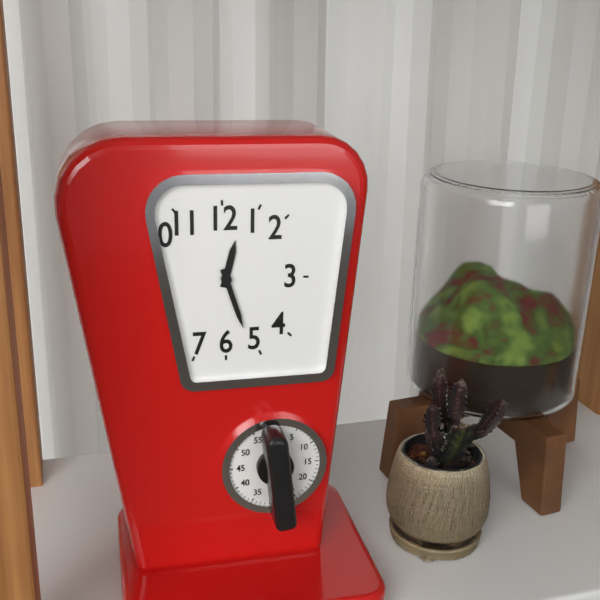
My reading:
h=12 m=27
